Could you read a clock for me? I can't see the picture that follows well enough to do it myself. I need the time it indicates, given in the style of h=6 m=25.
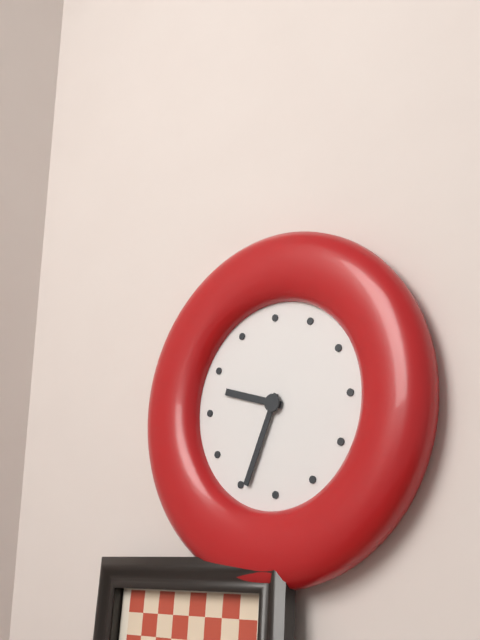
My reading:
h=9 m=34
